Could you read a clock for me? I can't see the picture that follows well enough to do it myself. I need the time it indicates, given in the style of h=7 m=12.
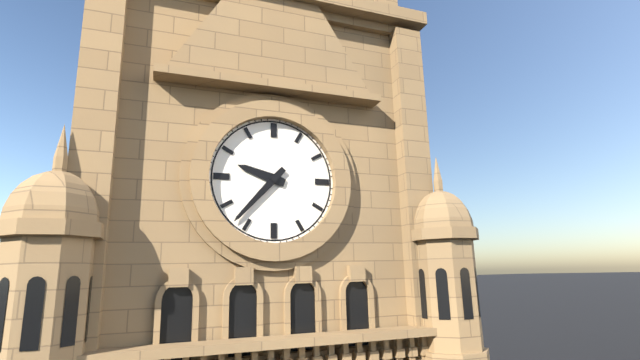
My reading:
h=9 m=37
